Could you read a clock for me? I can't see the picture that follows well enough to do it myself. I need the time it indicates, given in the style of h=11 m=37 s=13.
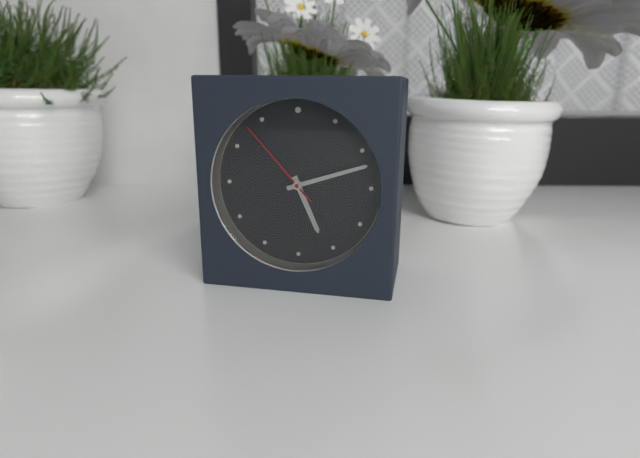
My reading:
h=5 m=12 s=53
